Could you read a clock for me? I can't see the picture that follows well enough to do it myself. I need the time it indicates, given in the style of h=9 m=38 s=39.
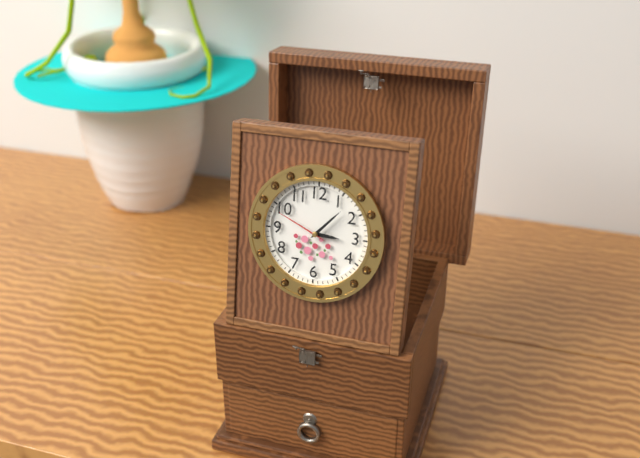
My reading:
h=3 m=7 s=49
